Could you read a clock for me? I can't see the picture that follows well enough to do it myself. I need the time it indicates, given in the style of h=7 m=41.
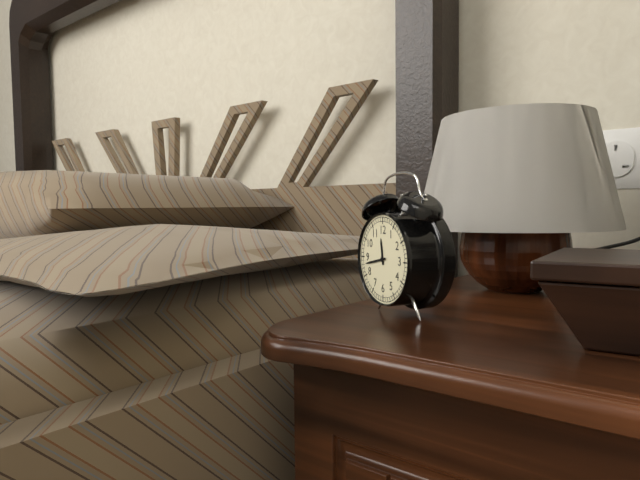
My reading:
h=11 m=43
